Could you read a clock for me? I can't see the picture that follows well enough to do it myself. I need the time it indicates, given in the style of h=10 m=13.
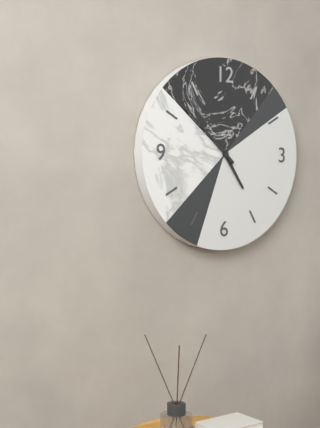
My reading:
h=4 m=52
